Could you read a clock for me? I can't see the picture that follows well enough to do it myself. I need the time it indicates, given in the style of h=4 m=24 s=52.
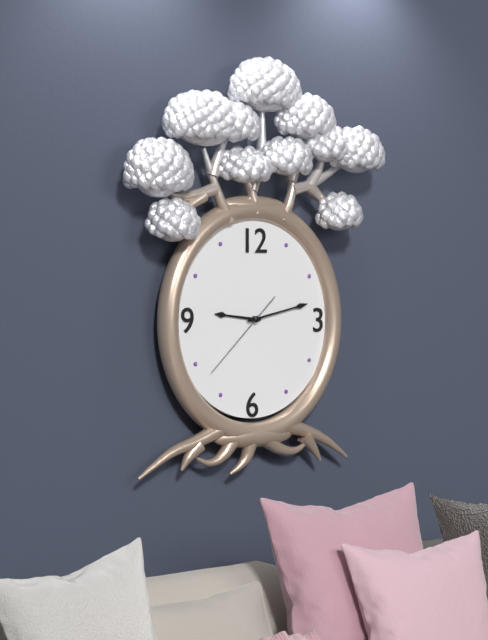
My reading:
h=9 m=13 s=38
